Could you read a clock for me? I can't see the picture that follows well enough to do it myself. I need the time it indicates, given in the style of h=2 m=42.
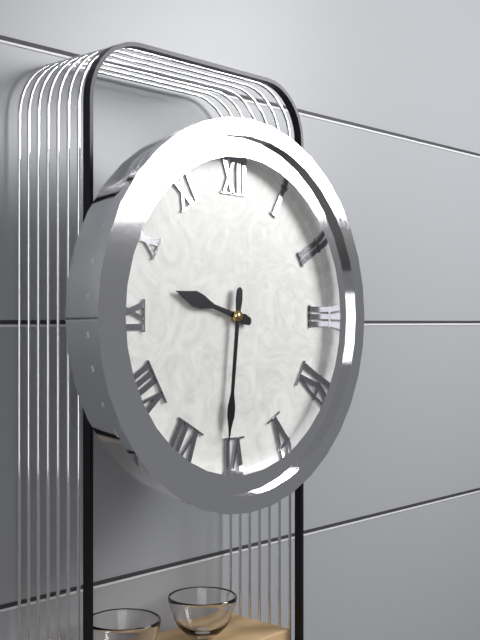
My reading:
h=9 m=31
